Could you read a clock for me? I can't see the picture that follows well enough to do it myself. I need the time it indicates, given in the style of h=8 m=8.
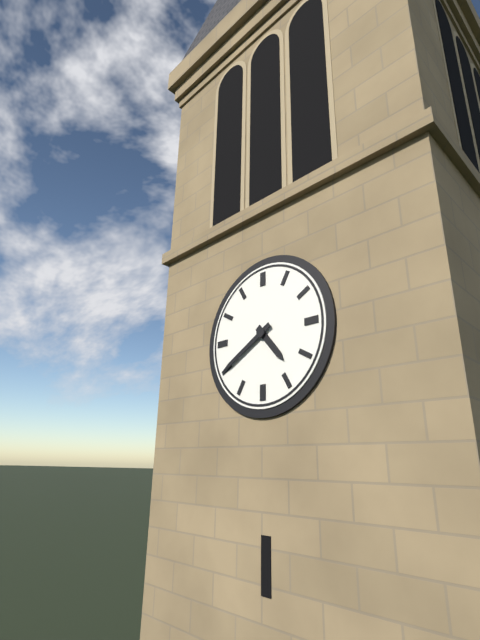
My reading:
h=4 m=40
